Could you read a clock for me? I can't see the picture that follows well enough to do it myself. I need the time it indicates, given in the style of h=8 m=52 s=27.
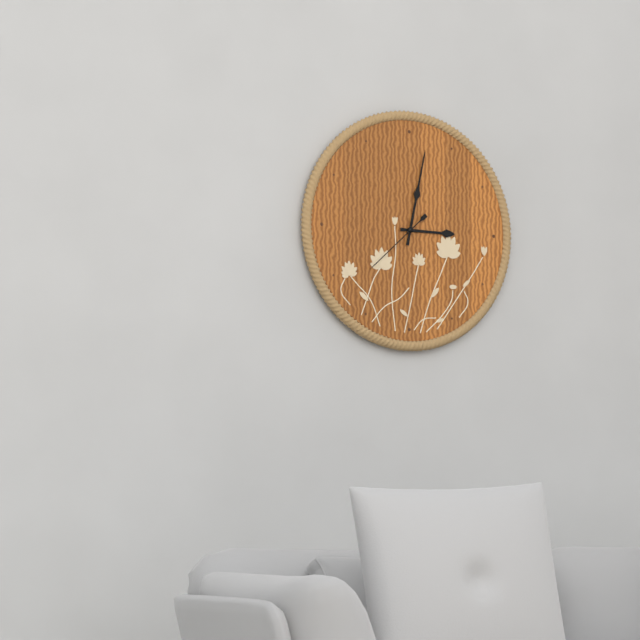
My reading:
h=3 m=2 s=38
